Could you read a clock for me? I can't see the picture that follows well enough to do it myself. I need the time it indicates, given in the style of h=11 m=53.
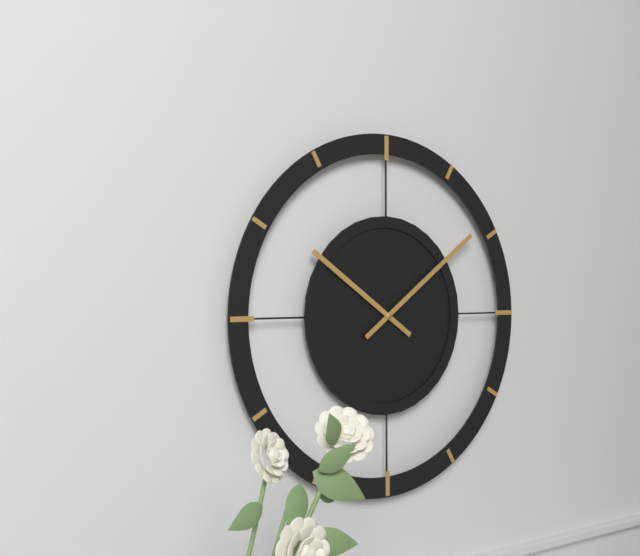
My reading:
h=10 m=9
